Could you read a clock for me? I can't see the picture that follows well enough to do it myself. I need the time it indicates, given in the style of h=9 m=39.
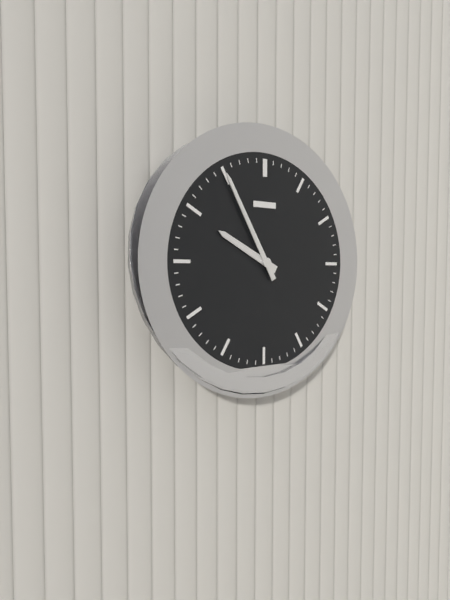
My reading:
h=9 m=55
